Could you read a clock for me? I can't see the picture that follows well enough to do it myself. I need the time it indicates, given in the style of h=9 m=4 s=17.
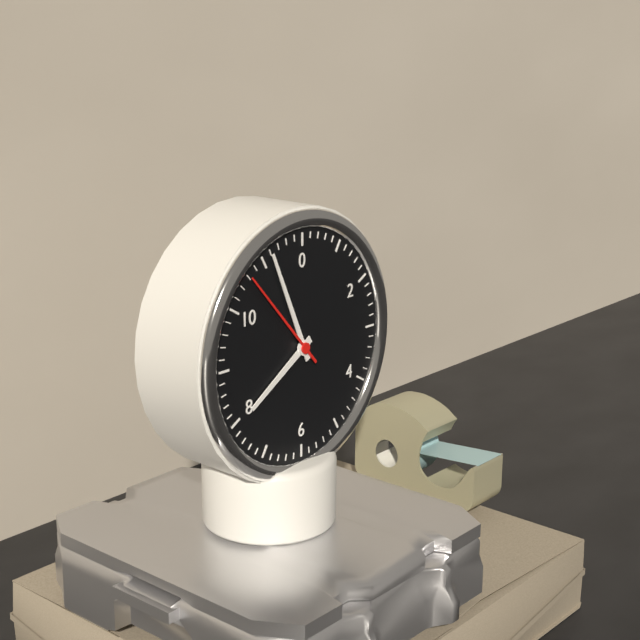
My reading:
h=7 m=56 s=53
